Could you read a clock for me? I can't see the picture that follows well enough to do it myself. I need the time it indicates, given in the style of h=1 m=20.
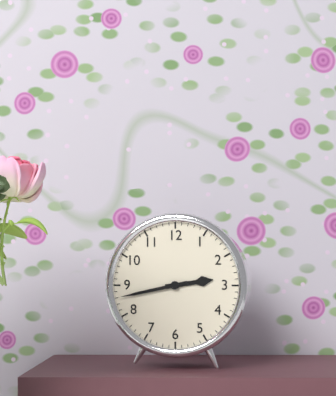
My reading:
h=2 m=43
